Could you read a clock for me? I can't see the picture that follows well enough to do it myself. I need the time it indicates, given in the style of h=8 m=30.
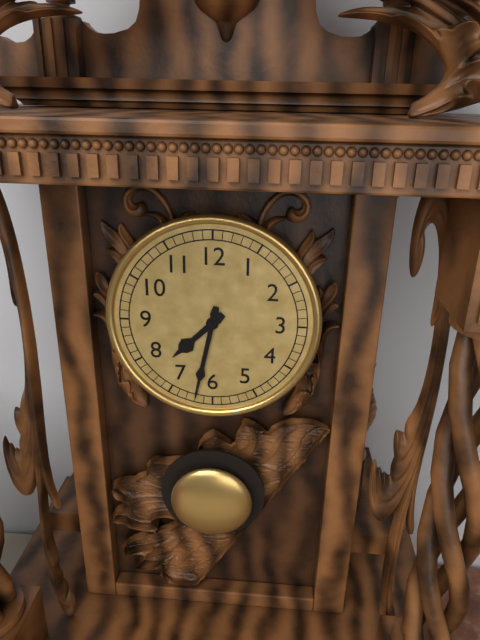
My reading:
h=7 m=32
